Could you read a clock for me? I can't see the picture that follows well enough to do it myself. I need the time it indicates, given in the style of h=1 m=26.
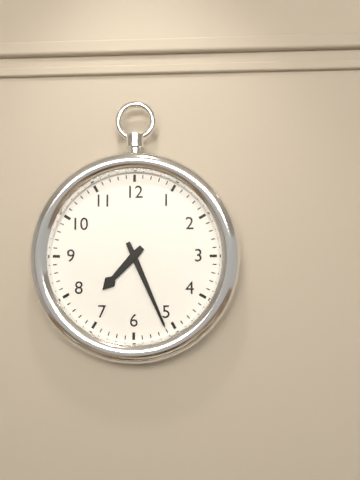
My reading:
h=7 m=26
